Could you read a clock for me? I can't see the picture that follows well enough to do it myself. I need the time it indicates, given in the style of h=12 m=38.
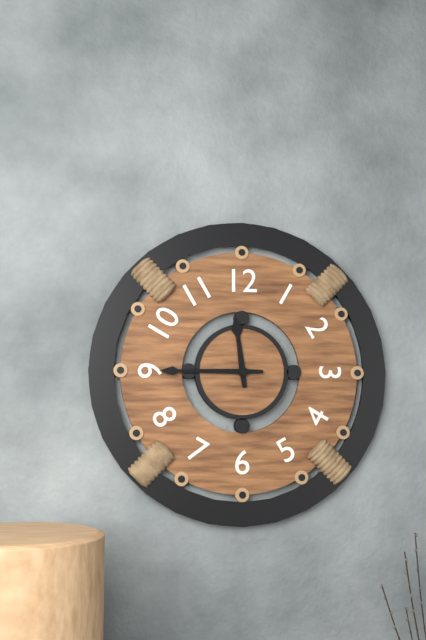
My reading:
h=11 m=45
